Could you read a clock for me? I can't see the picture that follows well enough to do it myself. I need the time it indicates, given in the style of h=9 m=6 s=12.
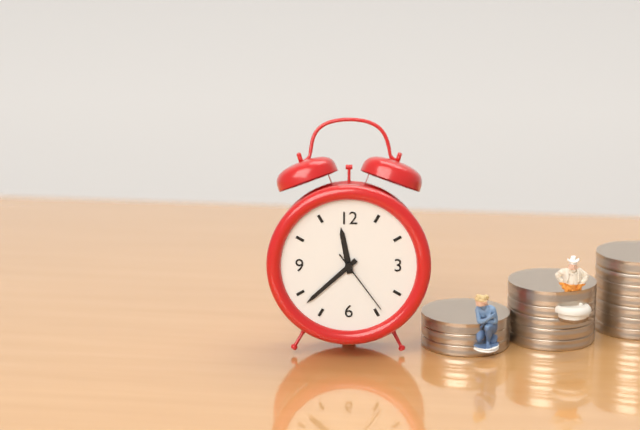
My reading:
h=11 m=38 s=24
